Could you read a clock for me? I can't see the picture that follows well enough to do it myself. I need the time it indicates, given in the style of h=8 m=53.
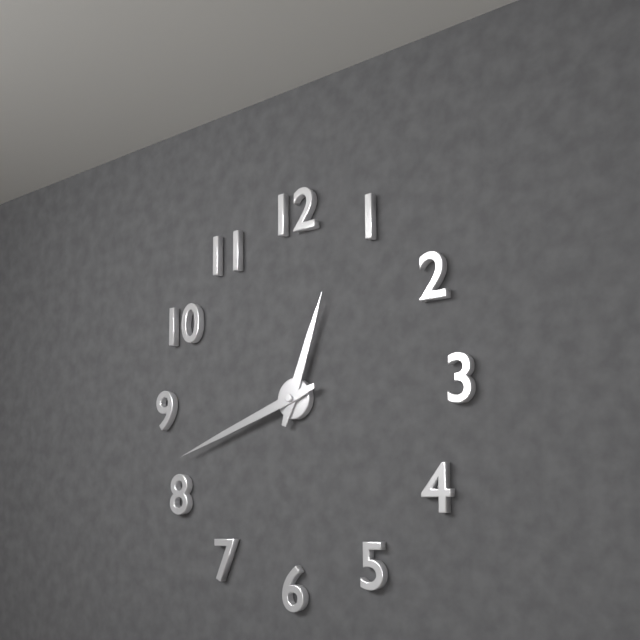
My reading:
h=12 m=42
